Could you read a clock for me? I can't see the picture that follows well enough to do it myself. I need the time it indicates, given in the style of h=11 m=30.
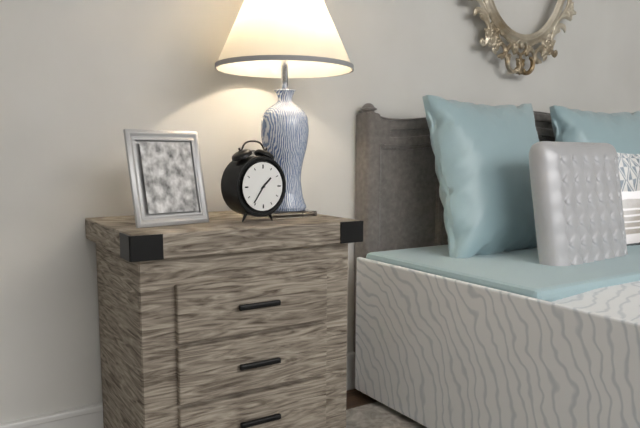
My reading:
h=1 m=36
